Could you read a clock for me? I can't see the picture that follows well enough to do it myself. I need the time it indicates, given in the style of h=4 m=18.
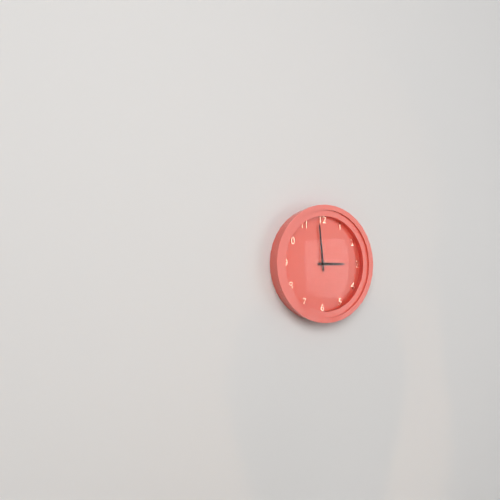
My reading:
h=2 m=59
